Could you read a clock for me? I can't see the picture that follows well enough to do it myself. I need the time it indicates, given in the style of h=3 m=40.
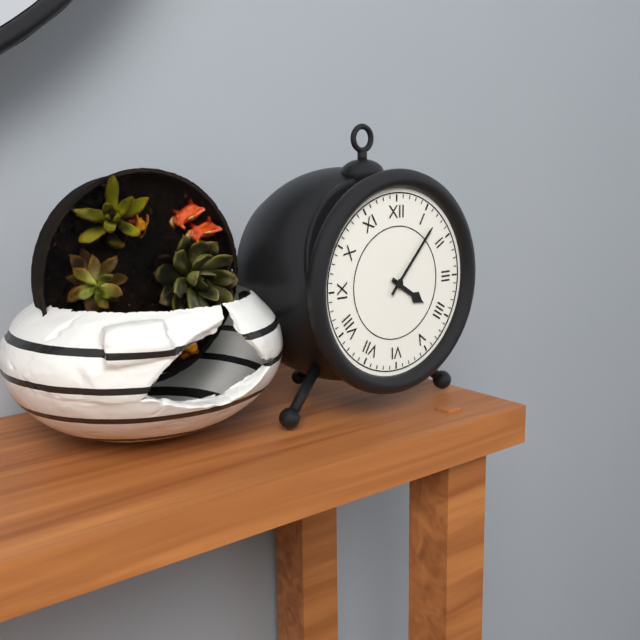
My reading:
h=4 m=7
